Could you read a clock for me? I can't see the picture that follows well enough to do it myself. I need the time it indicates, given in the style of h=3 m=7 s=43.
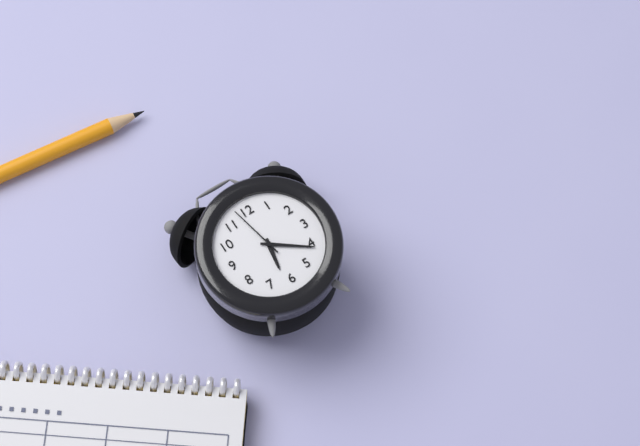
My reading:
h=6 m=21 s=58
